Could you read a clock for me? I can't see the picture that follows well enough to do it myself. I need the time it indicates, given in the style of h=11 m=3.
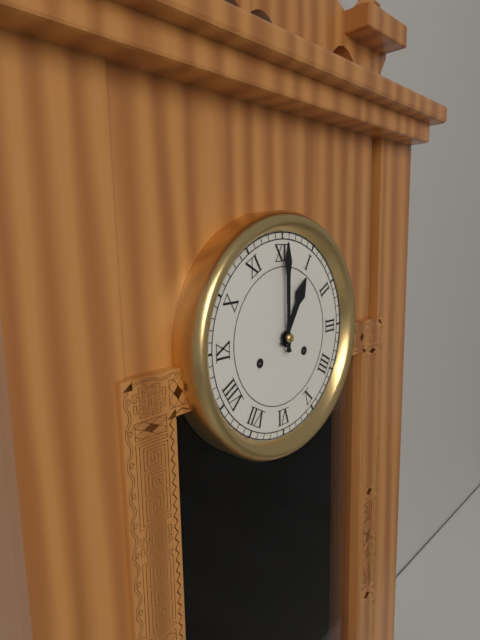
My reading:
h=1 m=0
